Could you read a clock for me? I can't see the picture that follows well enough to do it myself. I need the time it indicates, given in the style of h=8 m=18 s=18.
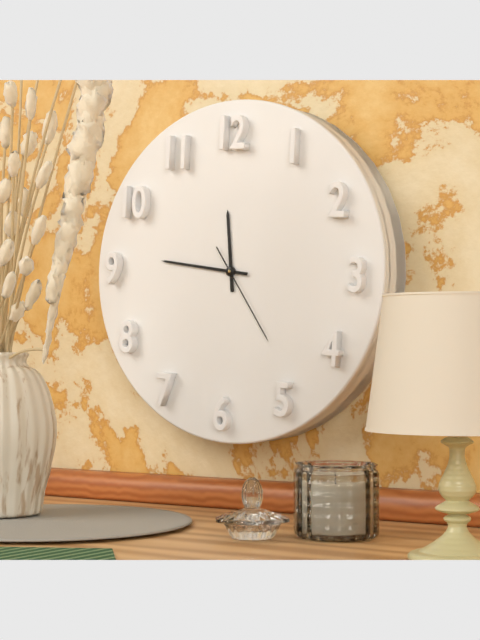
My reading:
h=11 m=46 s=24
